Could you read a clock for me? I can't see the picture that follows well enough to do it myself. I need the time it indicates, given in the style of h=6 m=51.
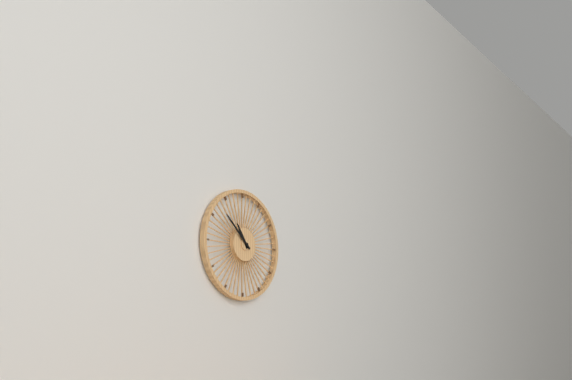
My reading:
h=10 m=52
